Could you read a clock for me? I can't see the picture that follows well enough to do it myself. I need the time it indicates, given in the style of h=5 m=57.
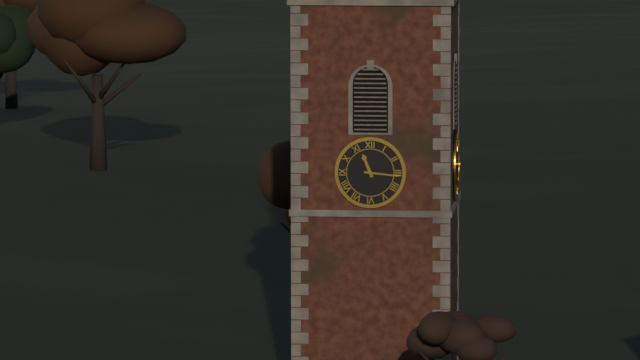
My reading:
h=11 m=16
